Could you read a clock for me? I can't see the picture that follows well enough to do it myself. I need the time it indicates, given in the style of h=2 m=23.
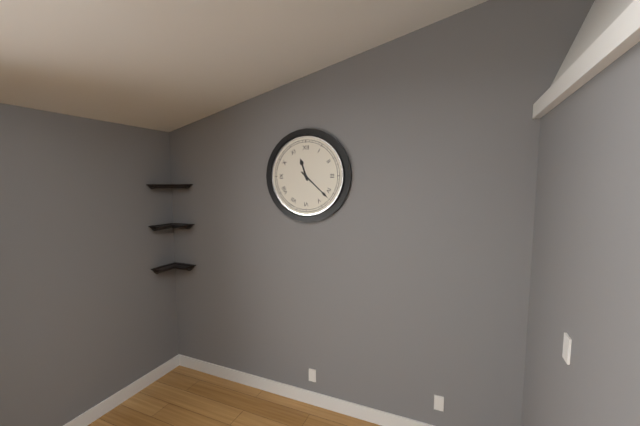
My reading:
h=11 m=22
